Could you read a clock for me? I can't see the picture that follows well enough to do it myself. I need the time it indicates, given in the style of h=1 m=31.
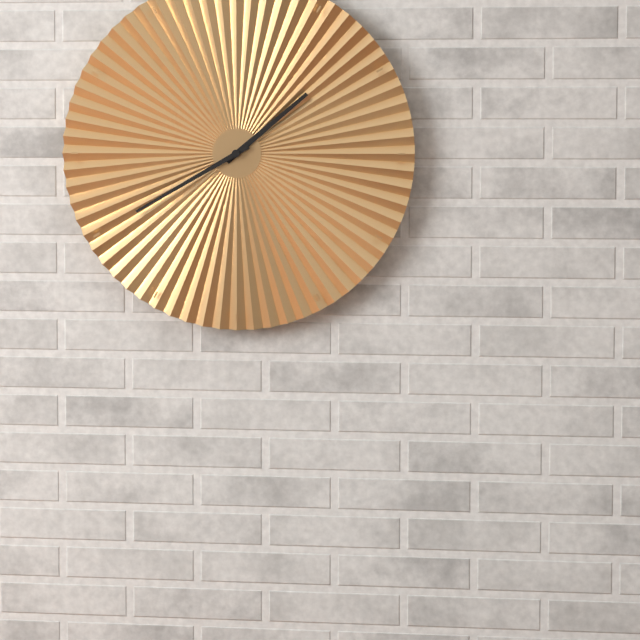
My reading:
h=1 m=40
